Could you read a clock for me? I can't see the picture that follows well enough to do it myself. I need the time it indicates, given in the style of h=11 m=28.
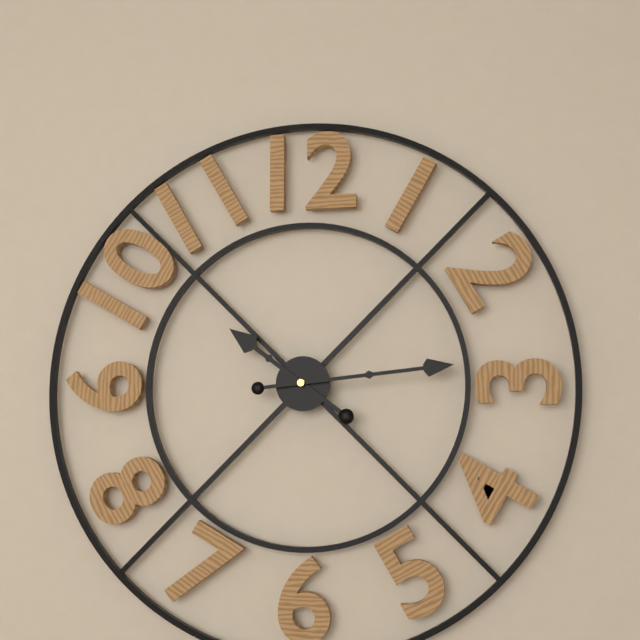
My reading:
h=10 m=14
